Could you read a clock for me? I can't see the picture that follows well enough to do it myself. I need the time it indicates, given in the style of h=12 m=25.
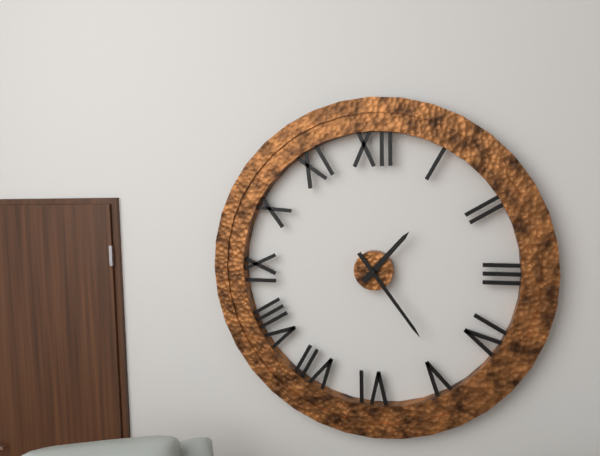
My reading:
h=1 m=24
